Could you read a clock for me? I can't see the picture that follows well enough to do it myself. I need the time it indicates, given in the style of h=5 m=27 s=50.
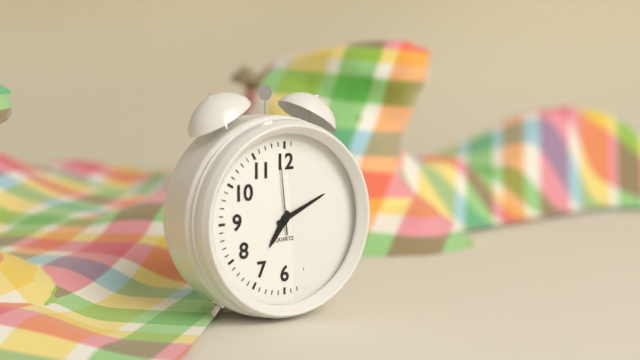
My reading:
h=7 m=11 s=59
